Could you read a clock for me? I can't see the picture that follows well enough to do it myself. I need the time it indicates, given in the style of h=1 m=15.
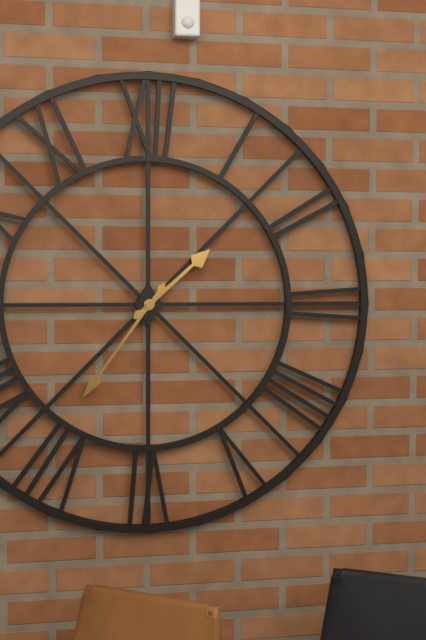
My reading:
h=1 m=36
